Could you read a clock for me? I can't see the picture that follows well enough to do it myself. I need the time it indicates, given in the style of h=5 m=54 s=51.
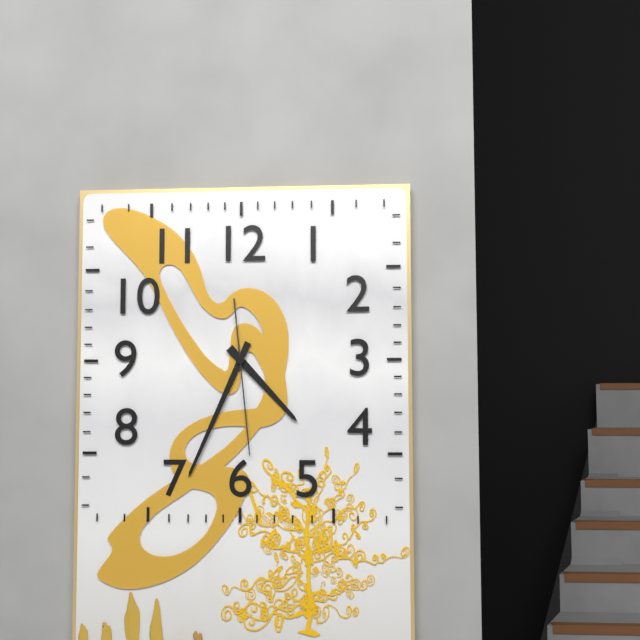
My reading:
h=4 m=34 s=29
